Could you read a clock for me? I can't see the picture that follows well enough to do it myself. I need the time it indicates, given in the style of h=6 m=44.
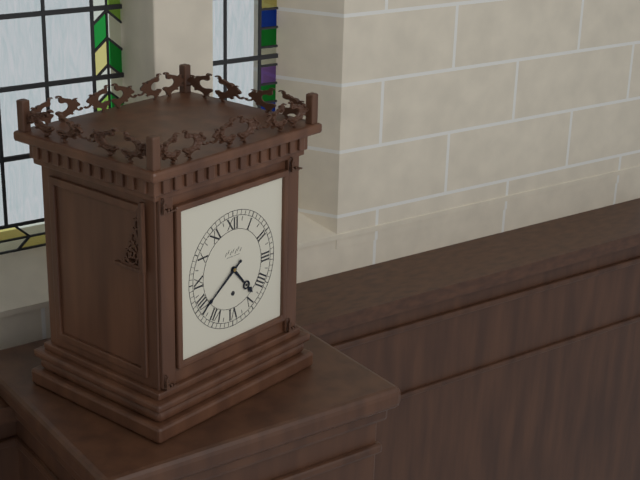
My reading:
h=4 m=39
